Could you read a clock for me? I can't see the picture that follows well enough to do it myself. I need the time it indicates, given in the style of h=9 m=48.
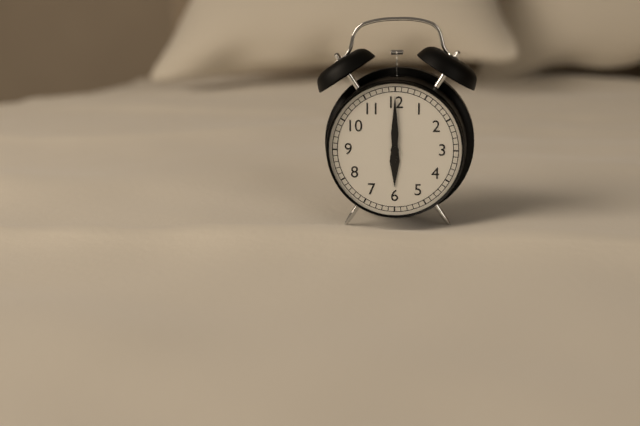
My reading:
h=6 m=0
